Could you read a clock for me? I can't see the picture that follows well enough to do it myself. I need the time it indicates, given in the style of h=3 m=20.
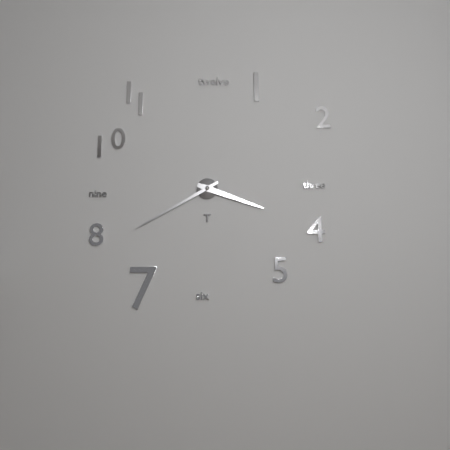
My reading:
h=3 m=40
